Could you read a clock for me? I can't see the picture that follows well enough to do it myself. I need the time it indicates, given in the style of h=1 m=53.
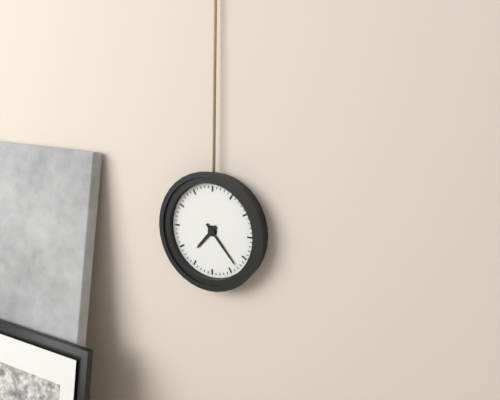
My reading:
h=7 m=23
